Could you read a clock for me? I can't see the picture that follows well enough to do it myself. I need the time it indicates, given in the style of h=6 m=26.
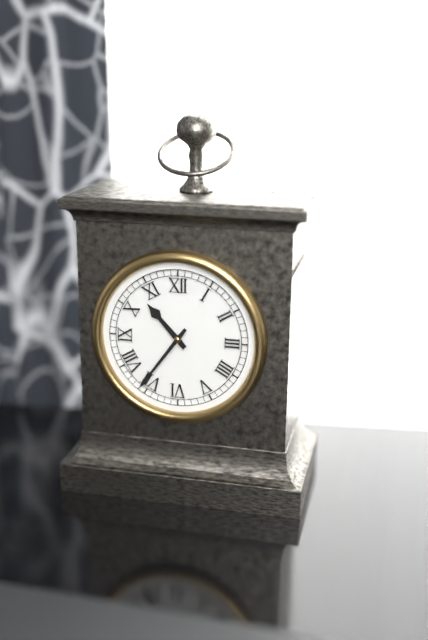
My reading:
h=10 m=36
